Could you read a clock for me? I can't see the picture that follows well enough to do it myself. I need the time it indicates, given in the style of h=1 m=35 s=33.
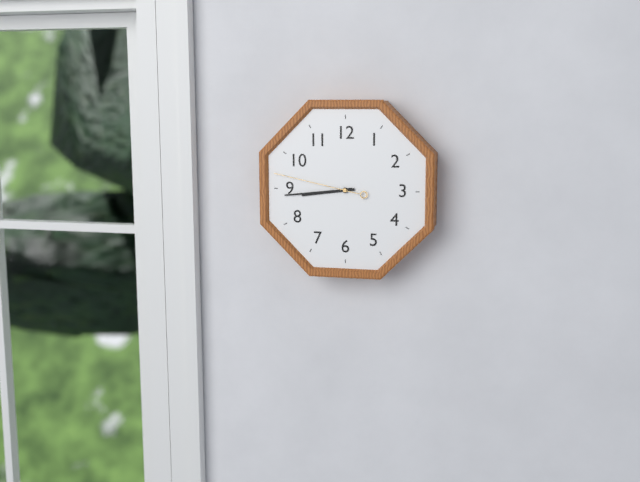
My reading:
h=8 m=44 s=47
